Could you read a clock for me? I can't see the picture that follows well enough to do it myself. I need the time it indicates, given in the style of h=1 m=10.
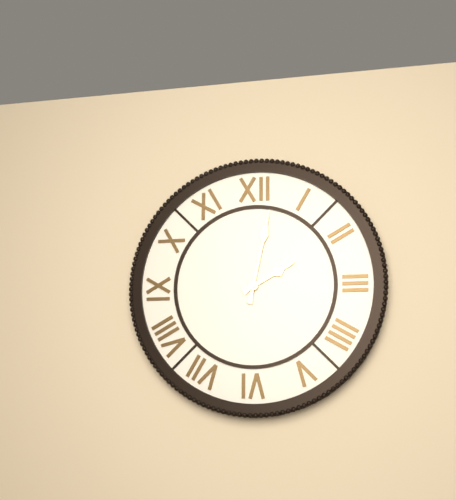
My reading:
h=2 m=2
